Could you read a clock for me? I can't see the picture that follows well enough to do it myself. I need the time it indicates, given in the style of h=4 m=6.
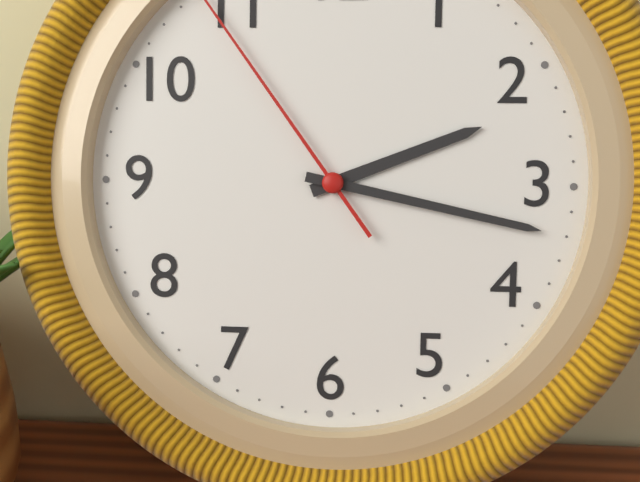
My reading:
h=2 m=17
